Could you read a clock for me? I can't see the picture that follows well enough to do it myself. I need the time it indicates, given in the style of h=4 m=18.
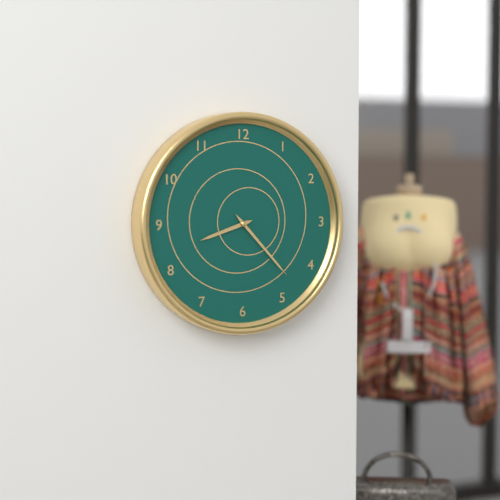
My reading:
h=8 m=23
